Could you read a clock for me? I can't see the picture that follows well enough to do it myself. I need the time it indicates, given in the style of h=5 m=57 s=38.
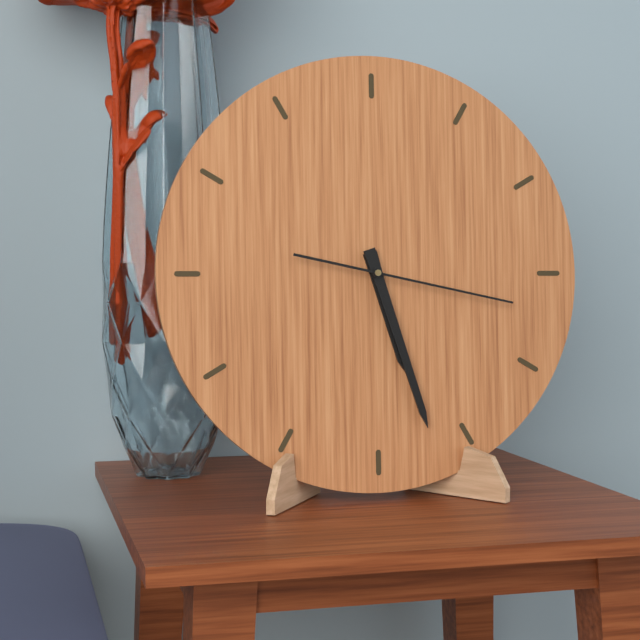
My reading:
h=5 m=27 s=17
